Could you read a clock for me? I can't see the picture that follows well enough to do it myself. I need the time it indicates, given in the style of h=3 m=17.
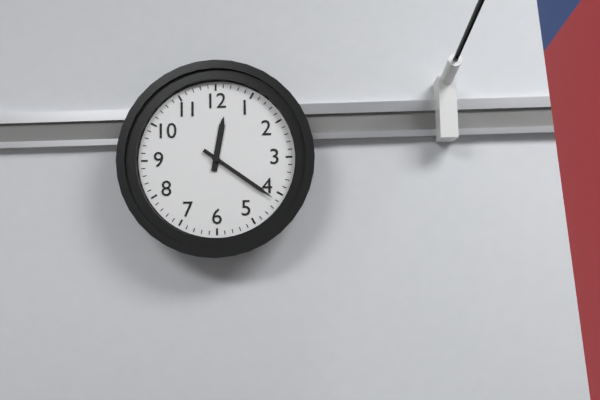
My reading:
h=12 m=21
